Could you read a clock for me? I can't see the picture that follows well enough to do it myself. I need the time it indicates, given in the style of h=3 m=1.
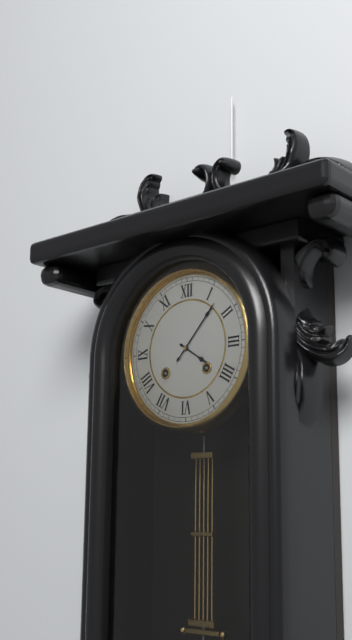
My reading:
h=4 m=7
